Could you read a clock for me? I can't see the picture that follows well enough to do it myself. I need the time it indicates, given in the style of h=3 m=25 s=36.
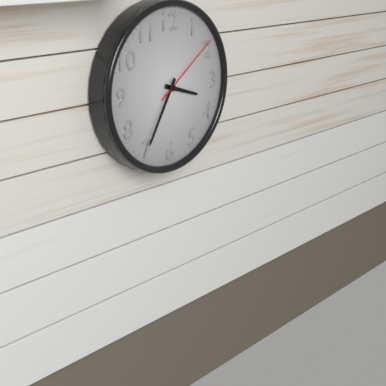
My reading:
h=3 m=35 s=9
